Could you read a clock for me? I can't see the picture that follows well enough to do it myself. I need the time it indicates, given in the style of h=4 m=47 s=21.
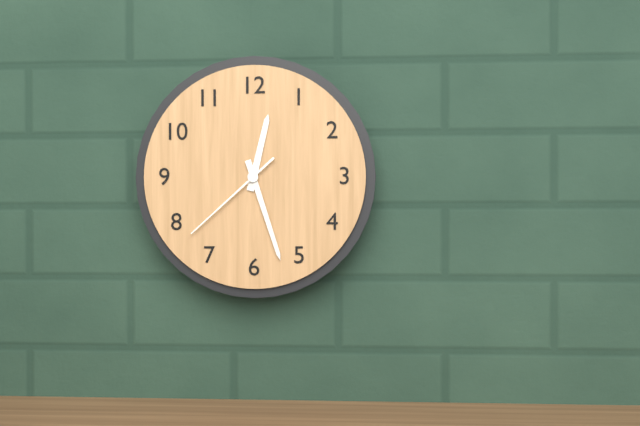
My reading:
h=12 m=27 s=38
